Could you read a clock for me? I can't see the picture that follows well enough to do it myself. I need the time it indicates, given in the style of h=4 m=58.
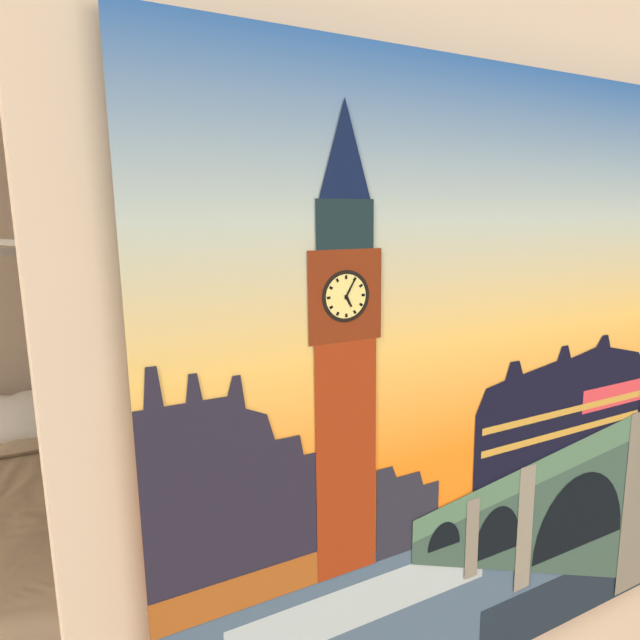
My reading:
h=5 m=5
